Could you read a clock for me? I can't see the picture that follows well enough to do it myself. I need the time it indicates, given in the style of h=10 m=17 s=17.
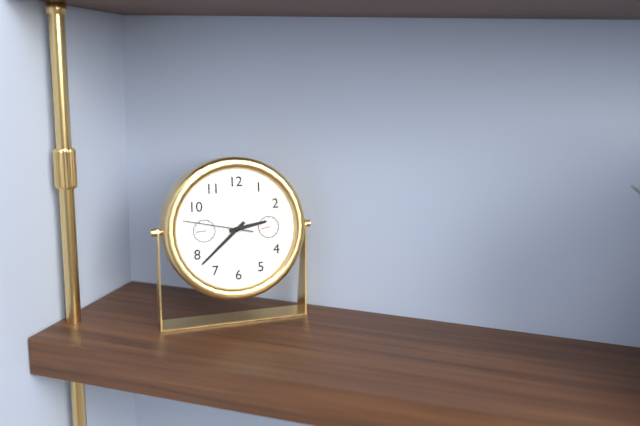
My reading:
h=2 m=38 s=47
